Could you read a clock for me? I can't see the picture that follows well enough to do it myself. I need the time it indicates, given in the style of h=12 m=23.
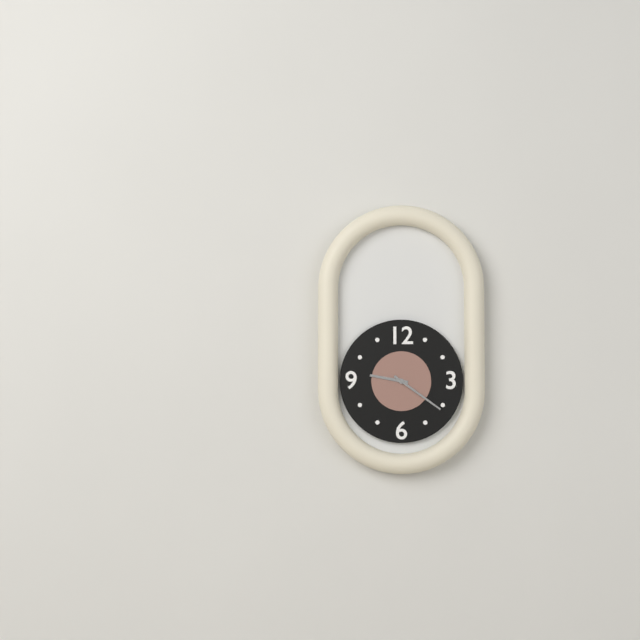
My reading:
h=9 m=21
